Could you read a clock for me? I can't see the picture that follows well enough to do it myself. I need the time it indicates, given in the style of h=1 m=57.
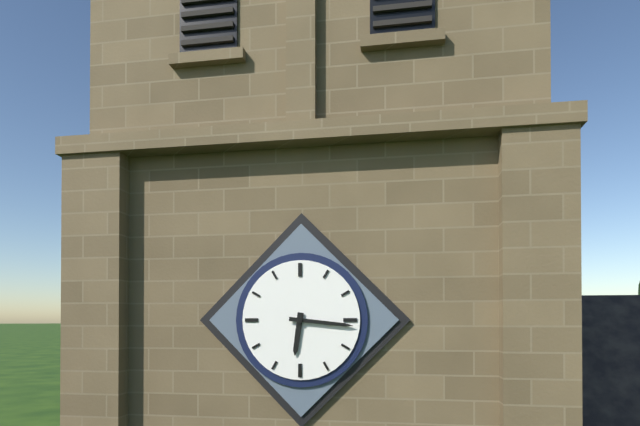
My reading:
h=6 m=16
